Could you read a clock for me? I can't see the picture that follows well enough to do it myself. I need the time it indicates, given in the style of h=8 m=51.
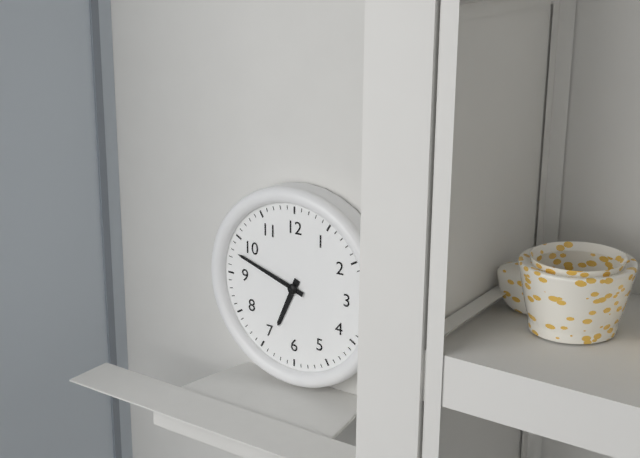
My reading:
h=6 m=48
